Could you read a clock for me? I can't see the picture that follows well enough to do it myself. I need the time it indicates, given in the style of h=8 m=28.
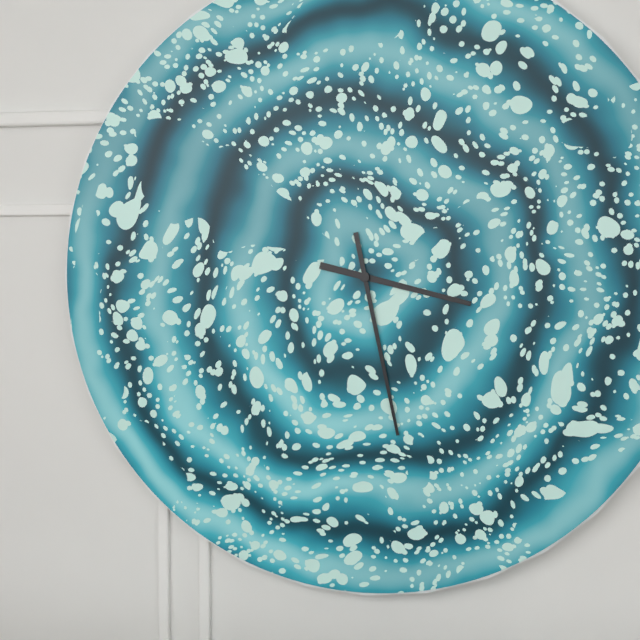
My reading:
h=3 m=28
